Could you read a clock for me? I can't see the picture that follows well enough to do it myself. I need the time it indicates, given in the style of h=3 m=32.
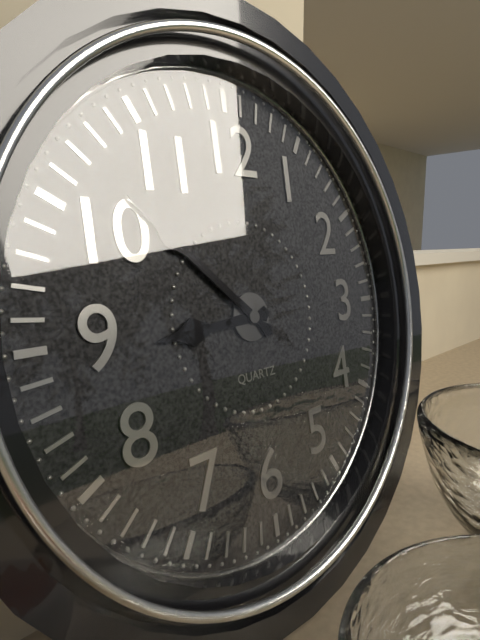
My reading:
h=8 m=52
